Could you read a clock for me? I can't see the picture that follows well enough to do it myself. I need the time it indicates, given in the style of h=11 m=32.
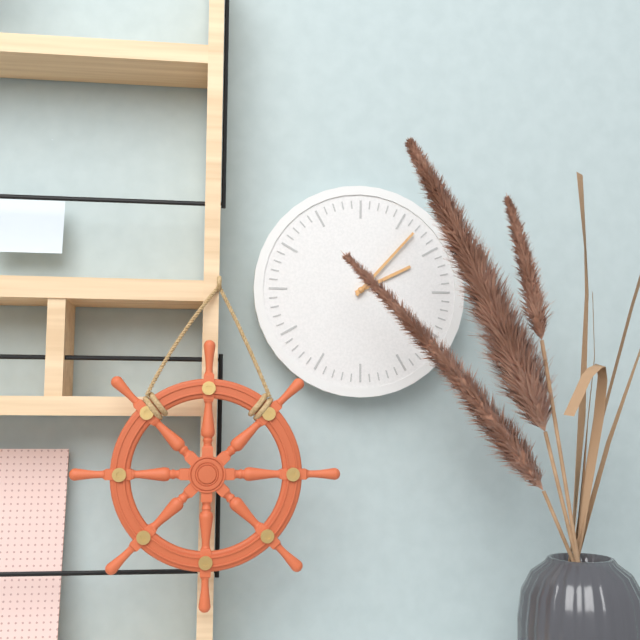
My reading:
h=2 m=7
